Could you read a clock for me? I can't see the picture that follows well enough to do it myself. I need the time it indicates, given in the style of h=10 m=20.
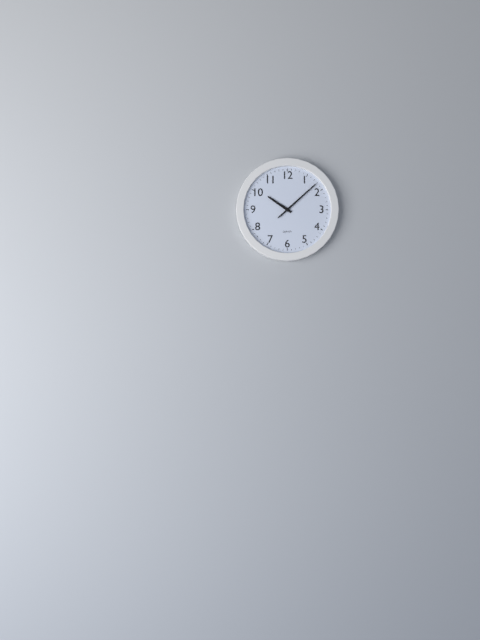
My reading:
h=10 m=8
